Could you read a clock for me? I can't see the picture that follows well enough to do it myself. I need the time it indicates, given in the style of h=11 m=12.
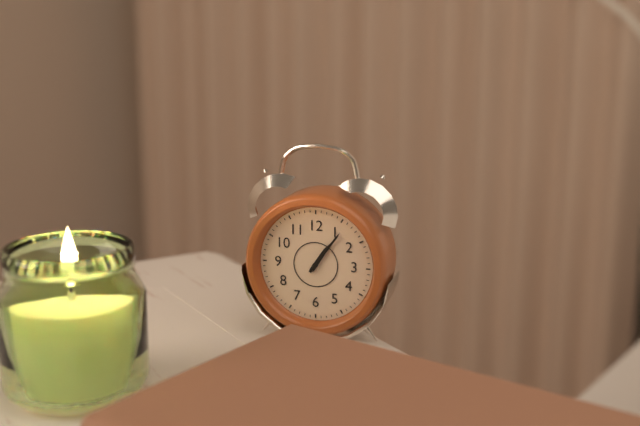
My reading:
h=1 m=6
